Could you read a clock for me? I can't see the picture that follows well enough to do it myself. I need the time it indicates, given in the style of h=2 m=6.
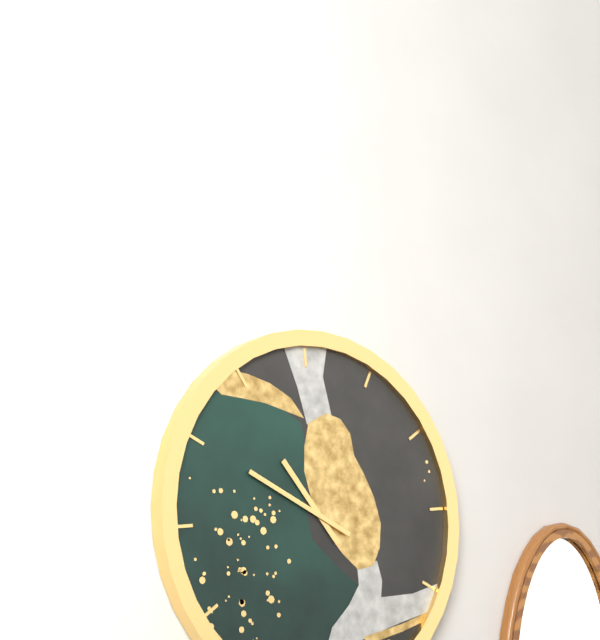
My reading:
h=10 m=50
